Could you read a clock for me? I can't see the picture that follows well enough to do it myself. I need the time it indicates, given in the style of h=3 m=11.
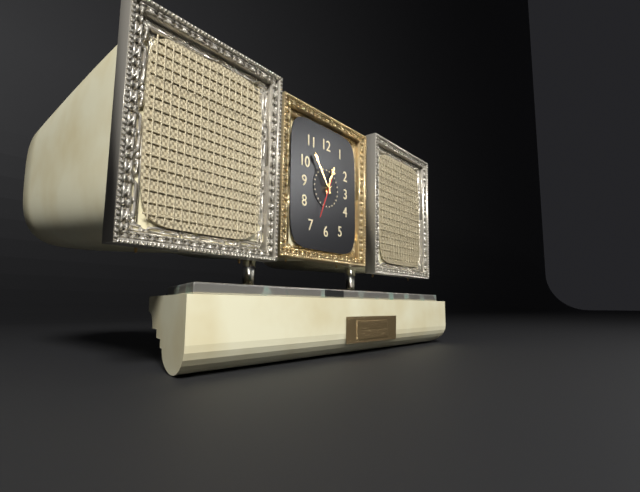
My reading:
h=12 m=54
